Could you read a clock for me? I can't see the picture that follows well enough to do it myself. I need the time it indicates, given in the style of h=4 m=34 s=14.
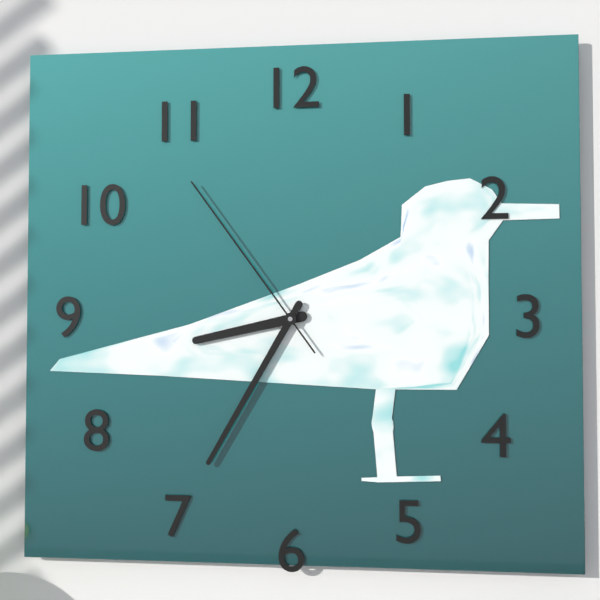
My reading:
h=8 m=35 s=54
